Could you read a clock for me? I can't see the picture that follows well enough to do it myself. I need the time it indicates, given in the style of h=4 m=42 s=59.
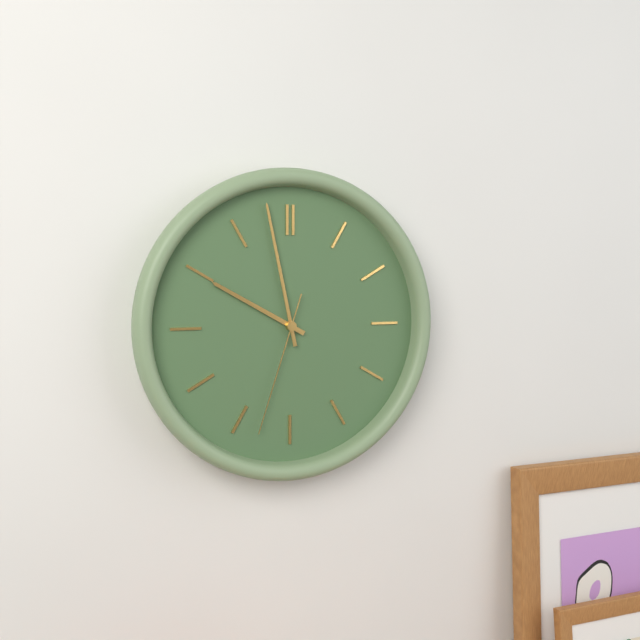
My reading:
h=9 m=58 s=33
